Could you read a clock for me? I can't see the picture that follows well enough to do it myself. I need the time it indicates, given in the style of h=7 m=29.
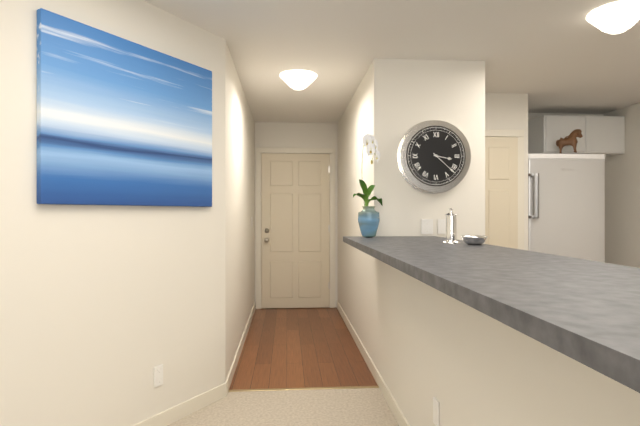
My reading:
h=3 m=22
